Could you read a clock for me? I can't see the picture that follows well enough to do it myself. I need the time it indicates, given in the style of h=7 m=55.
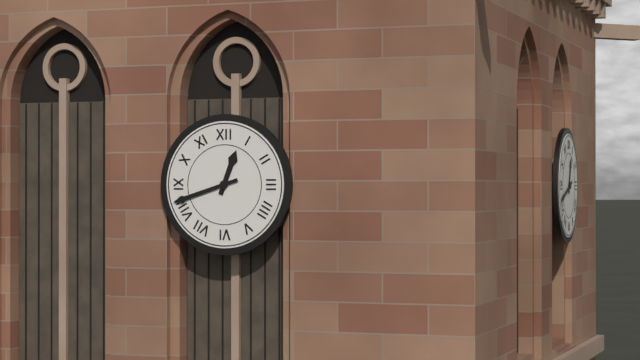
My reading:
h=12 m=42
